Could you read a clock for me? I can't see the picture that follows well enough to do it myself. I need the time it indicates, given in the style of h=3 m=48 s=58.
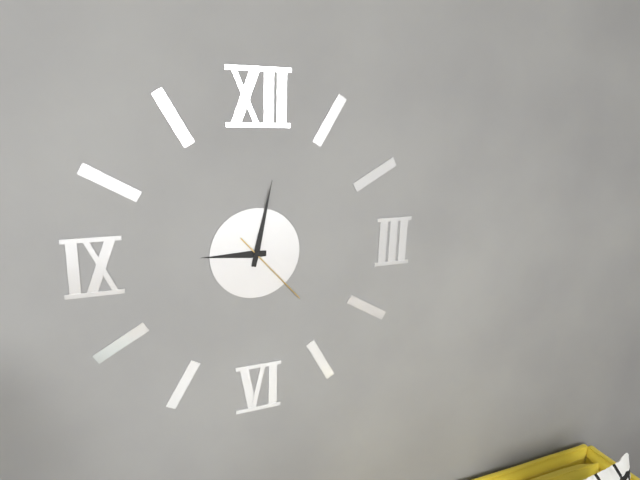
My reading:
h=9 m=2 s=23
